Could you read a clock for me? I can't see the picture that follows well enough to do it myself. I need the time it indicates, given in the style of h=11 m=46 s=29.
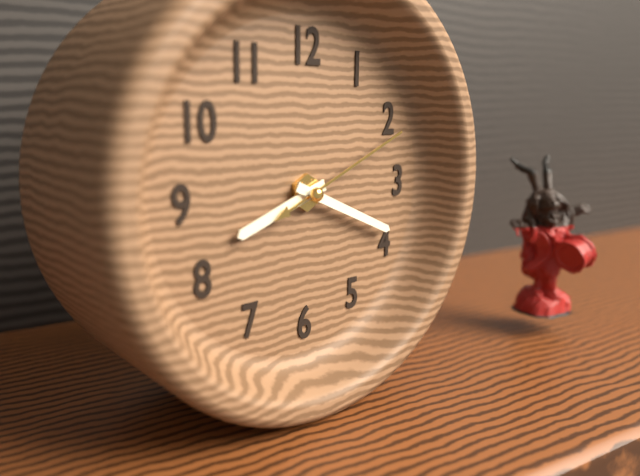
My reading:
h=8 m=19 s=11
